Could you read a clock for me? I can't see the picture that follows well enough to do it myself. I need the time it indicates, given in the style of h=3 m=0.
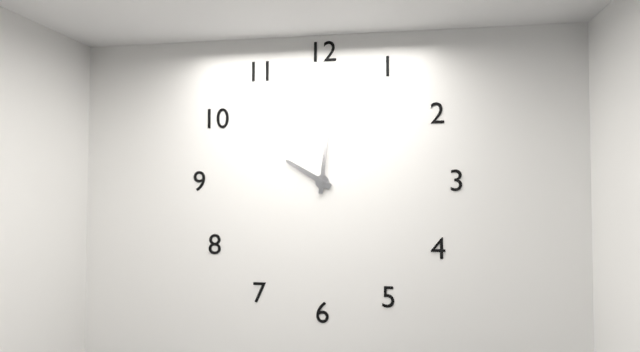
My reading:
h=10 m=1
